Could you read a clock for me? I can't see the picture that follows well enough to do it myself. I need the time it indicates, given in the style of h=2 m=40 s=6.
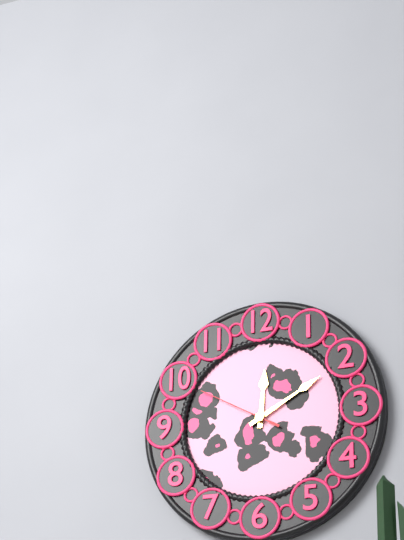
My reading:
h=12 m=10 s=50
